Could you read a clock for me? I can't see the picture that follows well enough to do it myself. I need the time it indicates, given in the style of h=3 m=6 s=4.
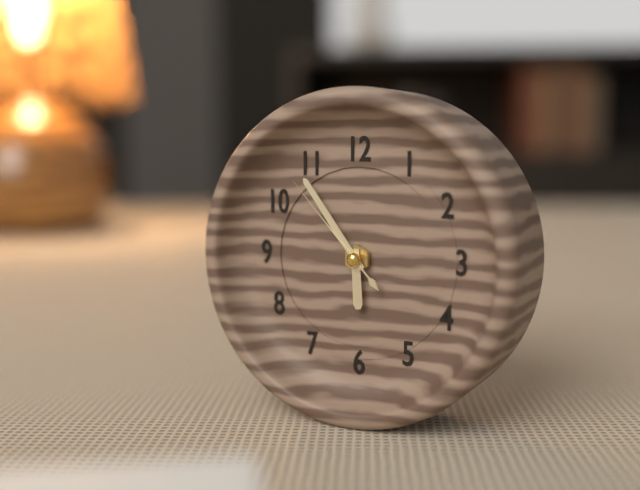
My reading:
h=5 m=54 s=53
